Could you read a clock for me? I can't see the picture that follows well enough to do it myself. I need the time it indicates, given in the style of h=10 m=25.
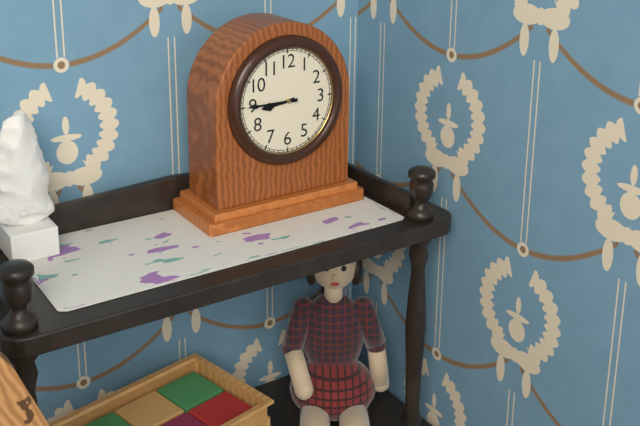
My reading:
h=8 m=45
